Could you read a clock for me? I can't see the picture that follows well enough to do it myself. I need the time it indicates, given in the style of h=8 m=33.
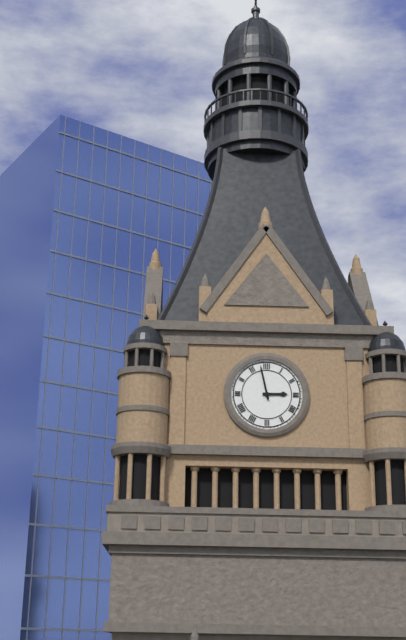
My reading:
h=2 m=58
